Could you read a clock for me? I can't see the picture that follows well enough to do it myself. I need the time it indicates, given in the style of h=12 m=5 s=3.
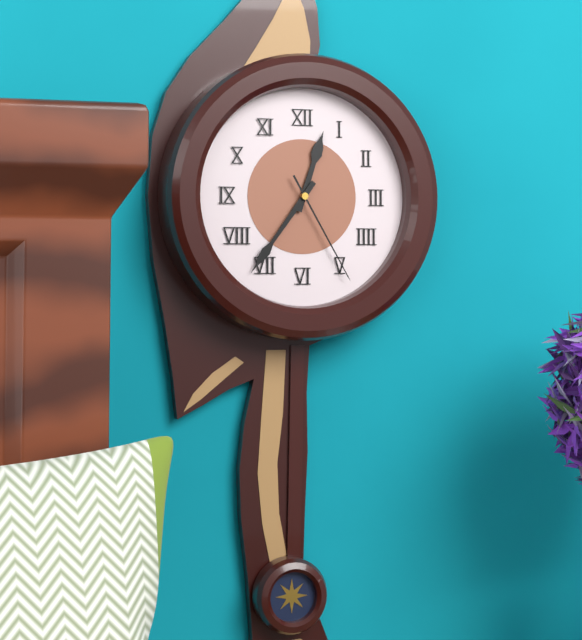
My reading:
h=12 m=36 s=25
